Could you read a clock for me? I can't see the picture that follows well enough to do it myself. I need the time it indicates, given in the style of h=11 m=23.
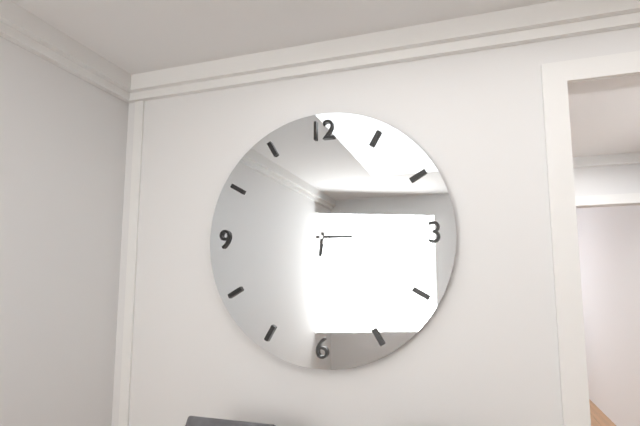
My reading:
h=6 m=15
